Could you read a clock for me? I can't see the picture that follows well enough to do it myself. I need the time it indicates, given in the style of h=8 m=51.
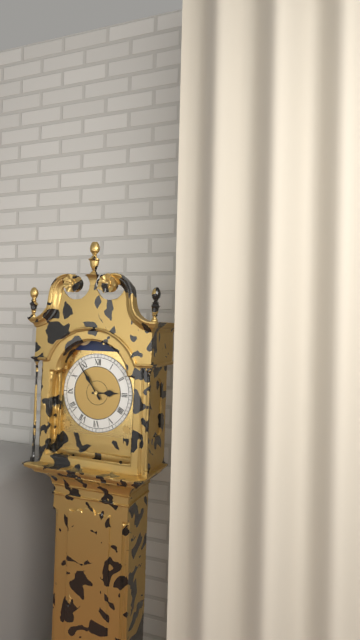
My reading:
h=2 m=54
